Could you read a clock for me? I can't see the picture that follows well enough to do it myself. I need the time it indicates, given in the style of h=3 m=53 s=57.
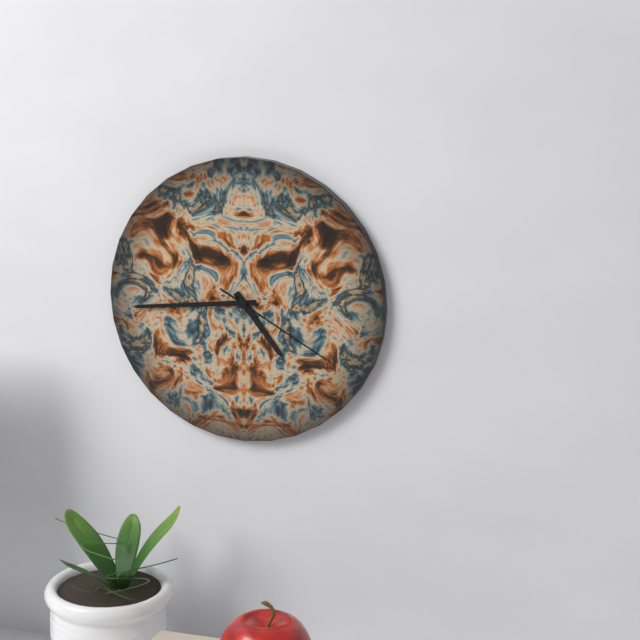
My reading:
h=4 m=44 s=20
